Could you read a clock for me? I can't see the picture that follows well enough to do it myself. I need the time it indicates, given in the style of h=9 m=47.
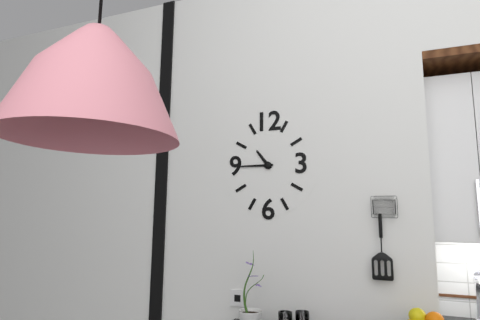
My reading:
h=10 m=45
